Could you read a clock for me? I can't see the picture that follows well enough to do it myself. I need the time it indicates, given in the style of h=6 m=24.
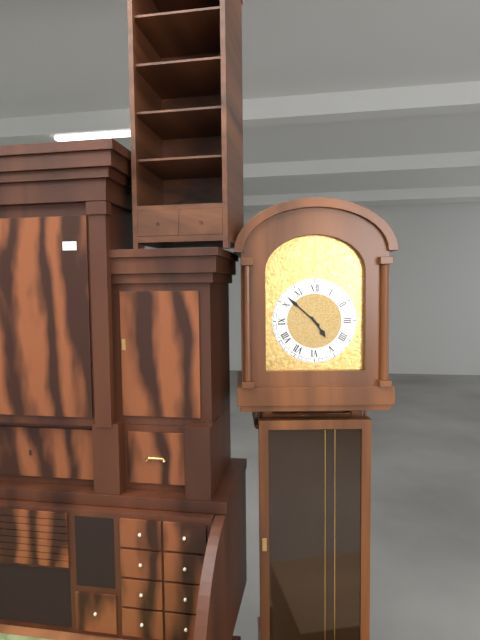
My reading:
h=4 m=52
